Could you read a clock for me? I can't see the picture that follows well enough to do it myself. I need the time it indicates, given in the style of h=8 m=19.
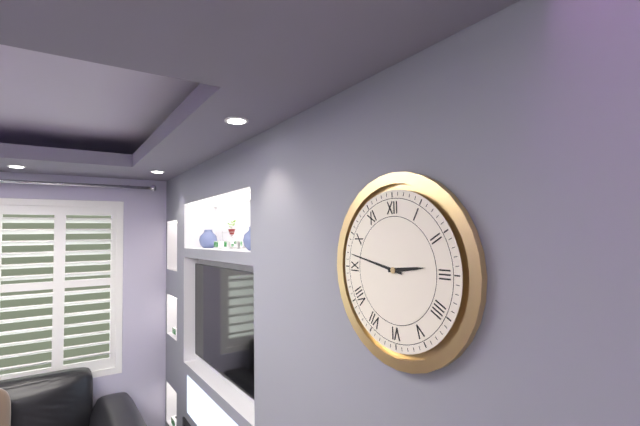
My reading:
h=2 m=47
